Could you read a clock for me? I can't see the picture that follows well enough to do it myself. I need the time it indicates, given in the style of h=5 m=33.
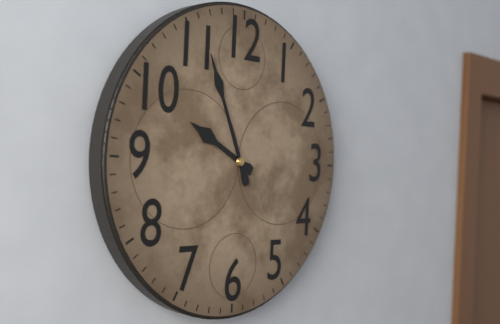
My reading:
h=9 m=56
